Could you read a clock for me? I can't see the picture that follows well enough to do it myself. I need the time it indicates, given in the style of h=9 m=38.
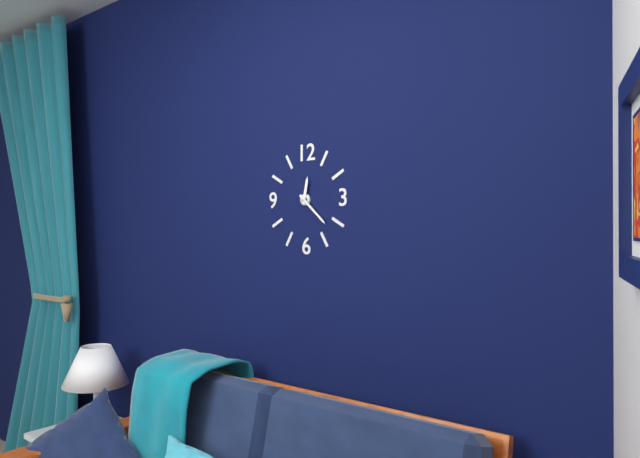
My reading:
h=12 m=22
